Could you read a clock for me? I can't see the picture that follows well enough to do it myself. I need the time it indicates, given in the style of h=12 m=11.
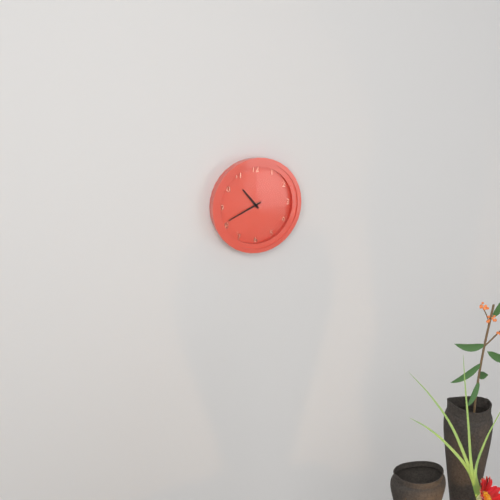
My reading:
h=10 m=41
